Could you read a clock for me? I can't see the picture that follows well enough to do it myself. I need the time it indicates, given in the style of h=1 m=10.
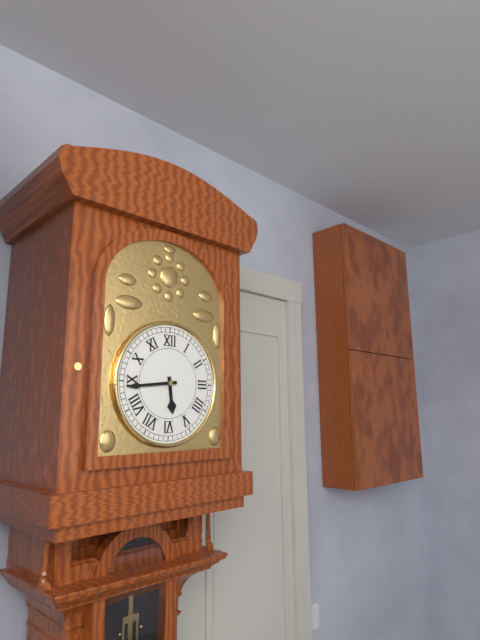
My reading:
h=5 m=44
